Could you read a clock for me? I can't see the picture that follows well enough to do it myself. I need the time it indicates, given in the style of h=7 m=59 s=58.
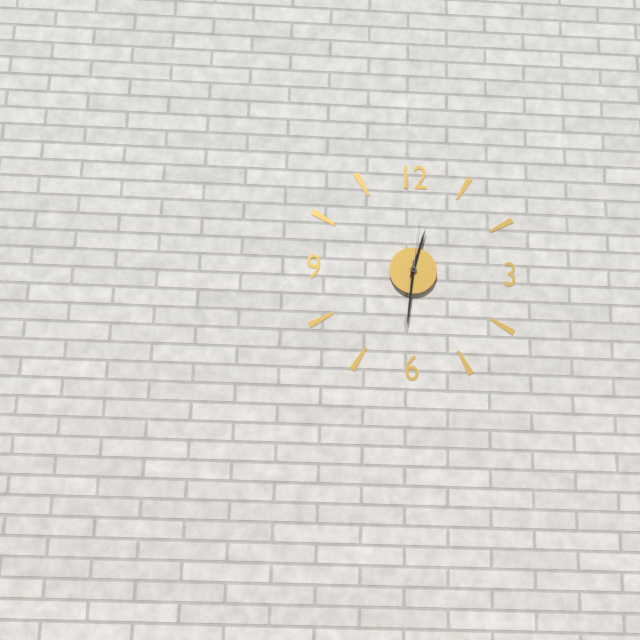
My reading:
h=12 m=31 s=1
